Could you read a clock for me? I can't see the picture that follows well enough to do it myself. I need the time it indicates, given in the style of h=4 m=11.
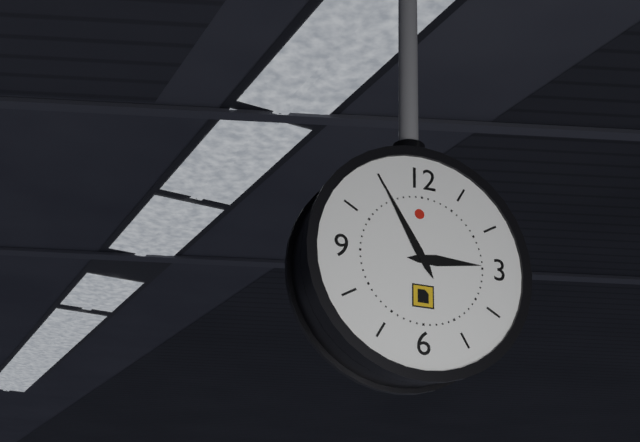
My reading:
h=2 m=55
